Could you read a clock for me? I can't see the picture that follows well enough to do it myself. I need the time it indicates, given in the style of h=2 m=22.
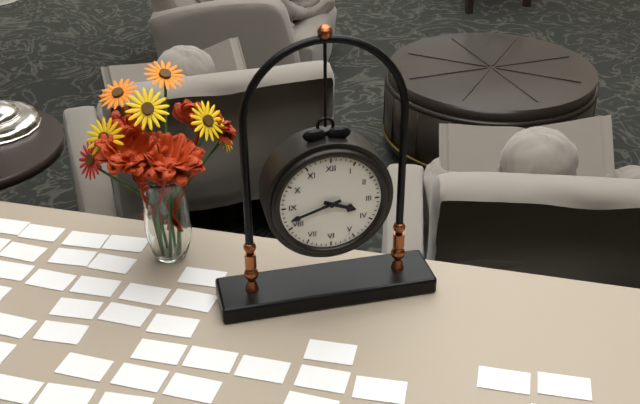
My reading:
h=3 m=42
